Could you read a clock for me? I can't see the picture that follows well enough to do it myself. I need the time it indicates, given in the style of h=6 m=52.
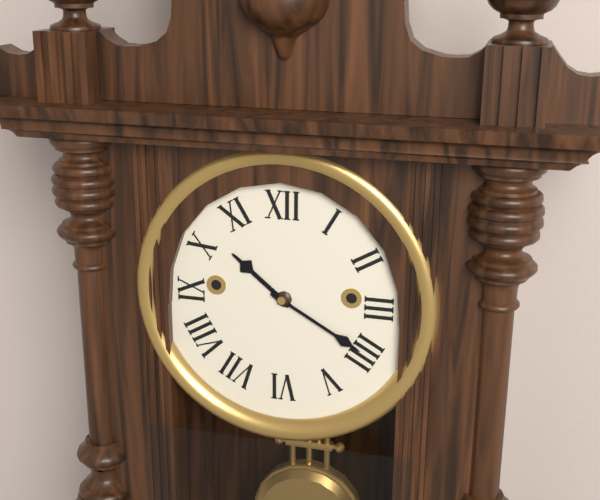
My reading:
h=10 m=20
